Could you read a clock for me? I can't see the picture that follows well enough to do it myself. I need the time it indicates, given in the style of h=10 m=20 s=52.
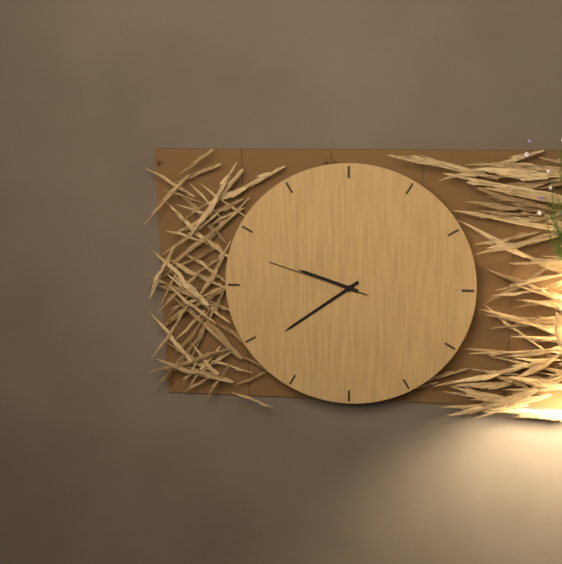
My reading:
h=9 m=39 s=48
